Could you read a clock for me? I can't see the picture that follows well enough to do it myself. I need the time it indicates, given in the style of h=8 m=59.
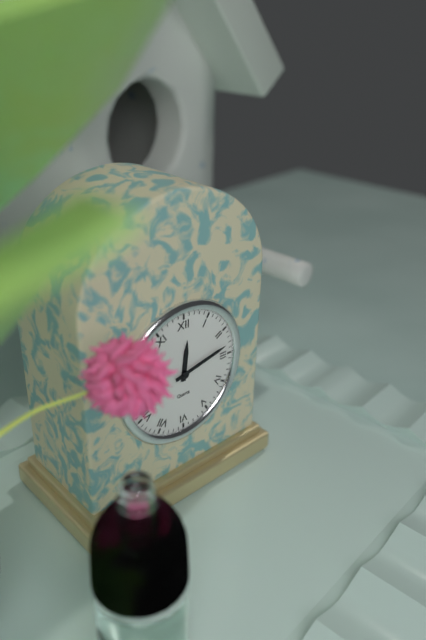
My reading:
h=12 m=13
